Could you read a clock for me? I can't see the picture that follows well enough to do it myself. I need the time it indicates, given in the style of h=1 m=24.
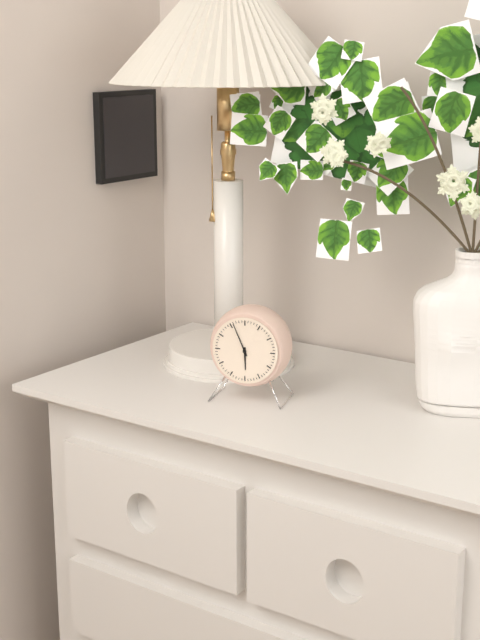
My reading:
h=5 m=56
